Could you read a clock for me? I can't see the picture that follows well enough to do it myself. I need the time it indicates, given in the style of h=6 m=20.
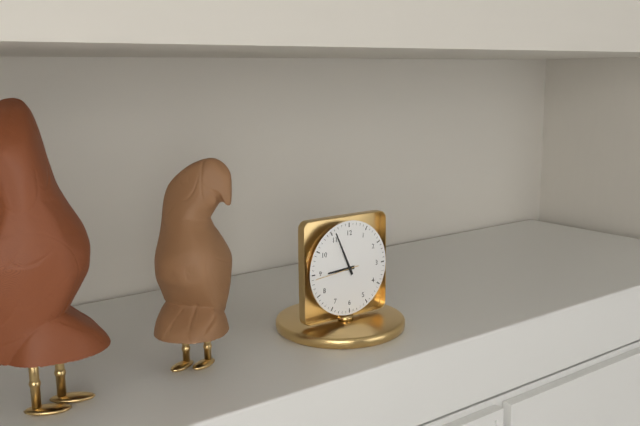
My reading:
h=8 m=56
